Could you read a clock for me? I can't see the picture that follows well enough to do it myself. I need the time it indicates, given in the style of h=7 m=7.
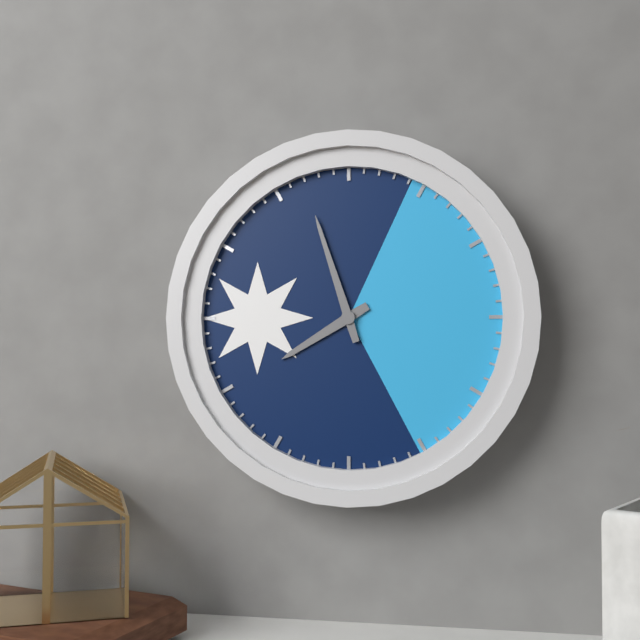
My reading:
h=7 m=57
